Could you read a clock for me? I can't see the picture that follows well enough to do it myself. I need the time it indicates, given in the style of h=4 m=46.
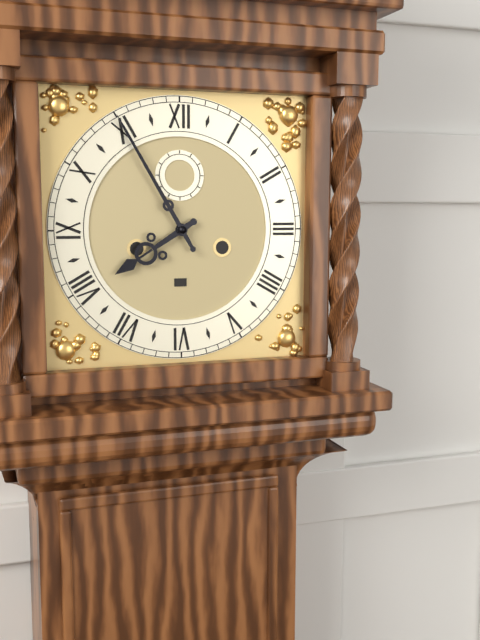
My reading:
h=7 m=55
